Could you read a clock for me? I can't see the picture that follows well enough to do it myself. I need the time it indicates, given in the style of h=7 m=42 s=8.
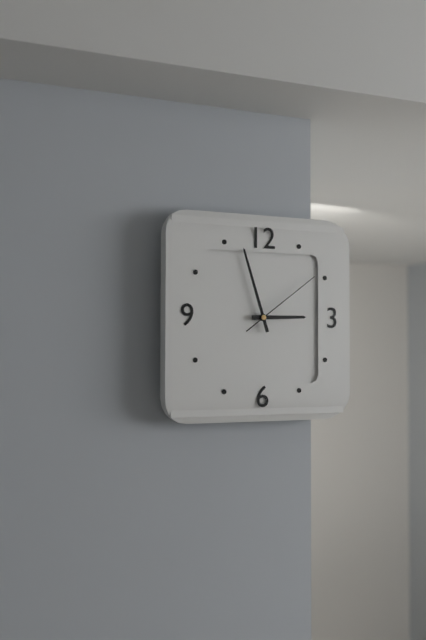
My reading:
h=2 m=57 s=9
